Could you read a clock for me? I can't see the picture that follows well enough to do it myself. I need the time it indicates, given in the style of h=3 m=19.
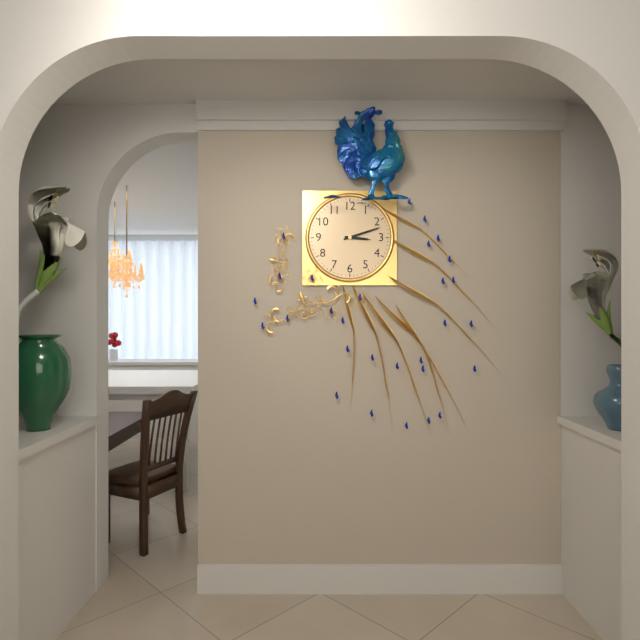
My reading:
h=3 m=12
